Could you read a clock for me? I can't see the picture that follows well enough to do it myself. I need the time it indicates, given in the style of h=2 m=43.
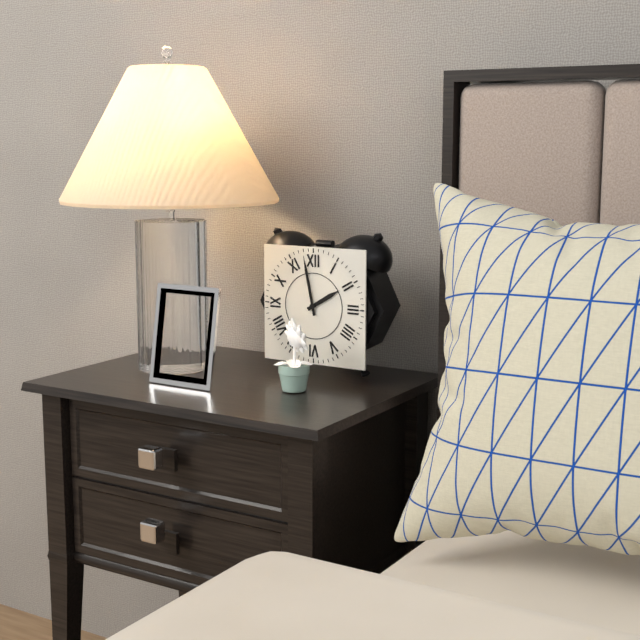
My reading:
h=1 m=58
